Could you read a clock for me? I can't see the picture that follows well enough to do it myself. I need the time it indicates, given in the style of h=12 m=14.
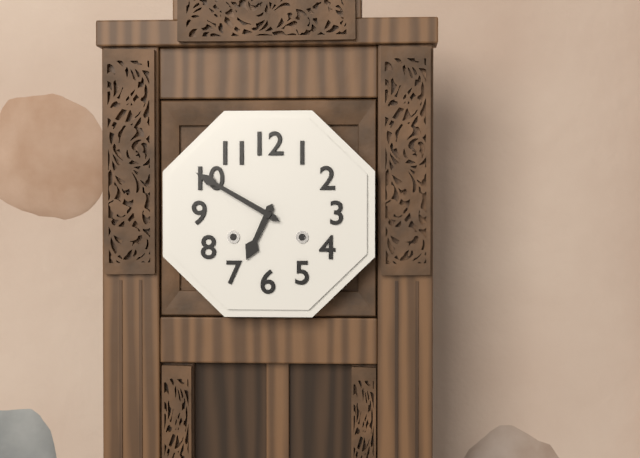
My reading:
h=6 m=50
